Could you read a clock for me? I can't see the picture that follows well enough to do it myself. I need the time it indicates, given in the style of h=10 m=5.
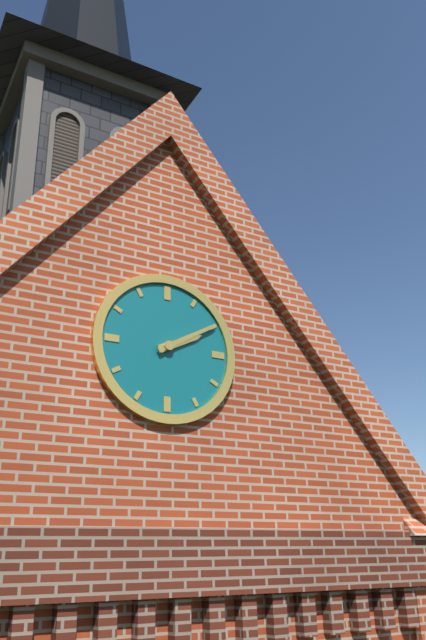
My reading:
h=2 m=10
